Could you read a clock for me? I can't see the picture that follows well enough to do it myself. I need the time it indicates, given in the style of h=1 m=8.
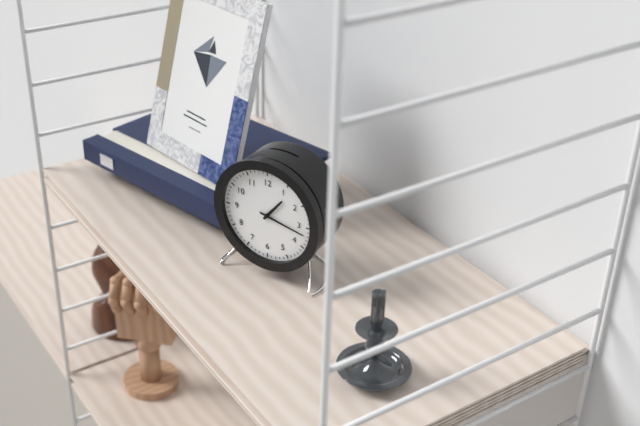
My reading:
h=1 m=17
